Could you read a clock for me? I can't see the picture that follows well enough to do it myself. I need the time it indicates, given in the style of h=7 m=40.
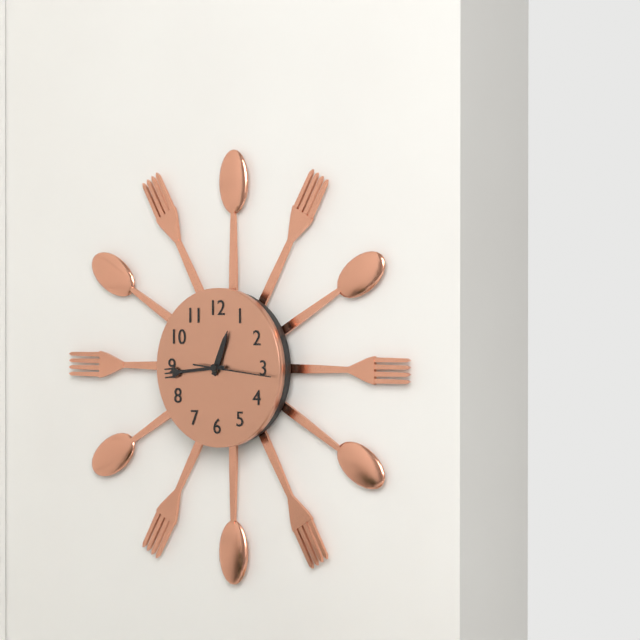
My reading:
h=12 m=44
